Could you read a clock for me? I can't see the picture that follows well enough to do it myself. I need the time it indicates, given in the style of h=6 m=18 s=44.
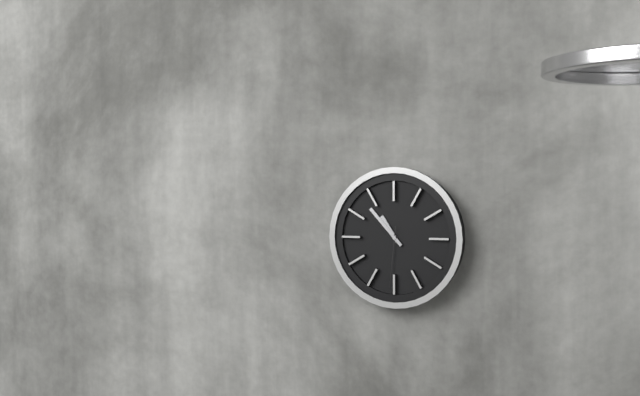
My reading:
h=10 m=53 s=31
